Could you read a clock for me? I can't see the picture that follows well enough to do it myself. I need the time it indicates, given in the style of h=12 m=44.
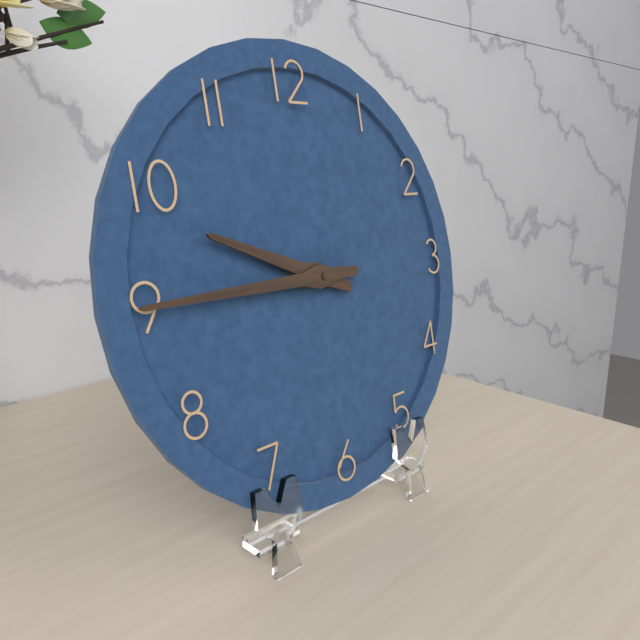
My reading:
h=9 m=45
